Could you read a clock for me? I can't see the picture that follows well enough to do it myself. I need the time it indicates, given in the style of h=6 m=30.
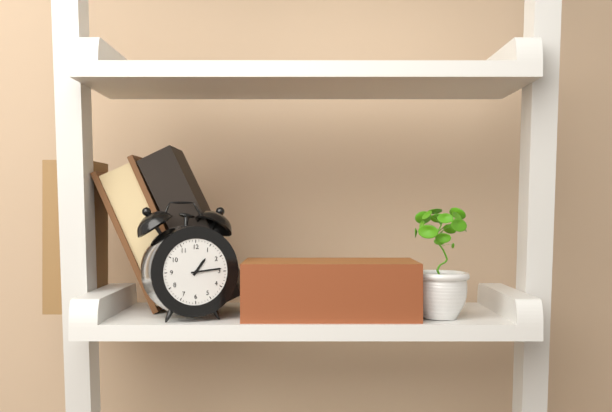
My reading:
h=1 m=14
